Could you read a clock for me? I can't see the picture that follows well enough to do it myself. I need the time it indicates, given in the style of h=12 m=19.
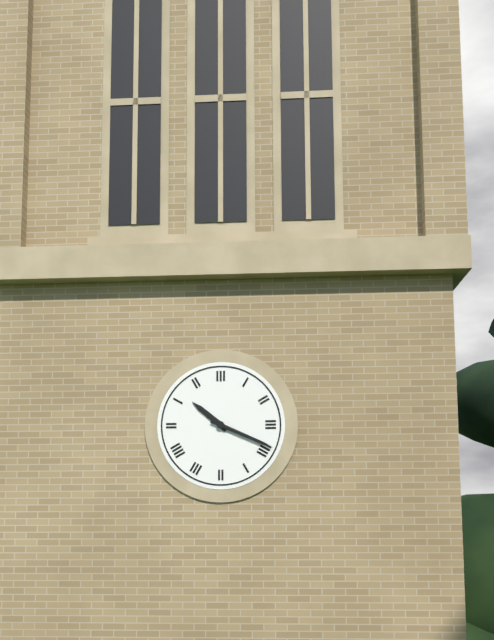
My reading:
h=10 m=19
